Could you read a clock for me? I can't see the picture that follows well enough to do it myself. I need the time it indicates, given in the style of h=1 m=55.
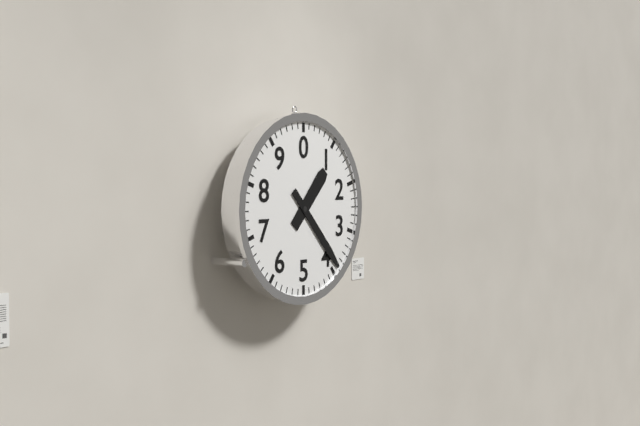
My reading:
h=1 m=23
